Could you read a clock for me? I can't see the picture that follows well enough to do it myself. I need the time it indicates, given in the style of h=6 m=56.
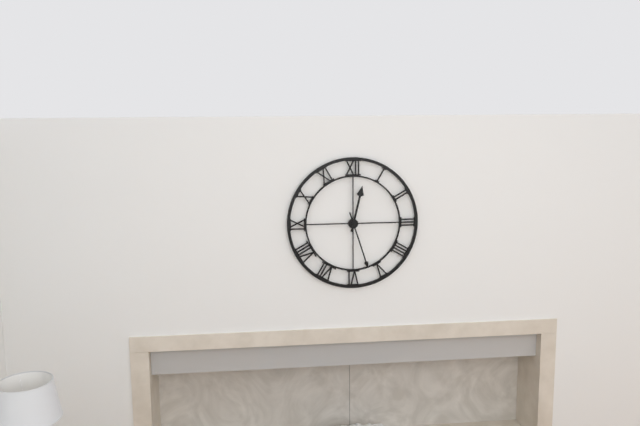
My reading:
h=12 m=27
